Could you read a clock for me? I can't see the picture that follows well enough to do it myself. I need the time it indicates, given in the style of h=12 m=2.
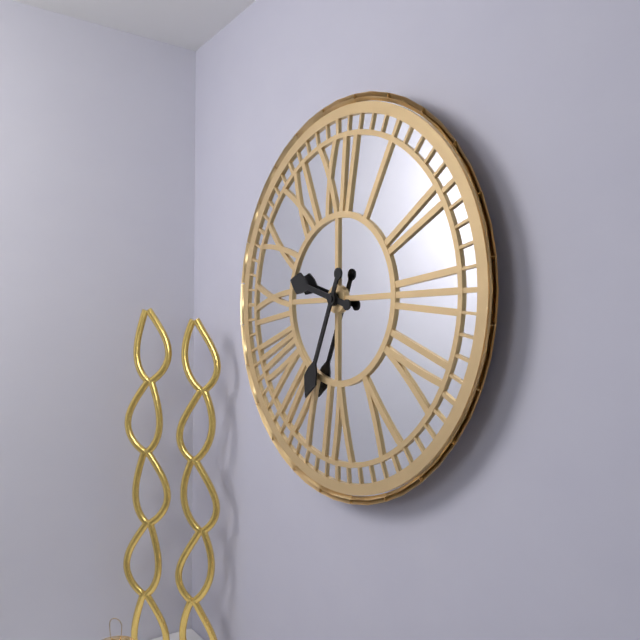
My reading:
h=9 m=34
